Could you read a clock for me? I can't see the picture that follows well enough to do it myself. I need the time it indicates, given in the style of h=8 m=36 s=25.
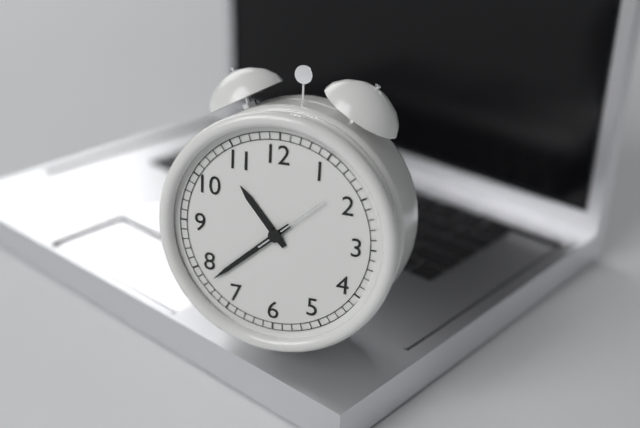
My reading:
h=10 m=38 s=8
